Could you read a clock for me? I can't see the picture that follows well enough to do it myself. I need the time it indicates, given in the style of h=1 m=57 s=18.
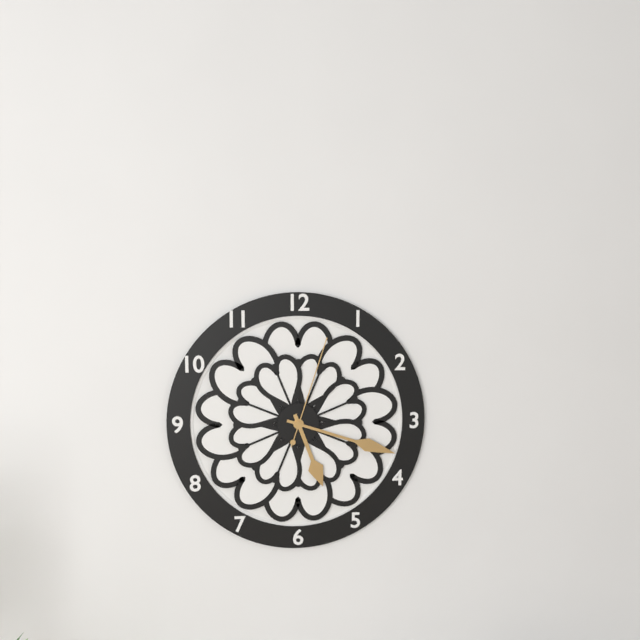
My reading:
h=5 m=18 s=3
